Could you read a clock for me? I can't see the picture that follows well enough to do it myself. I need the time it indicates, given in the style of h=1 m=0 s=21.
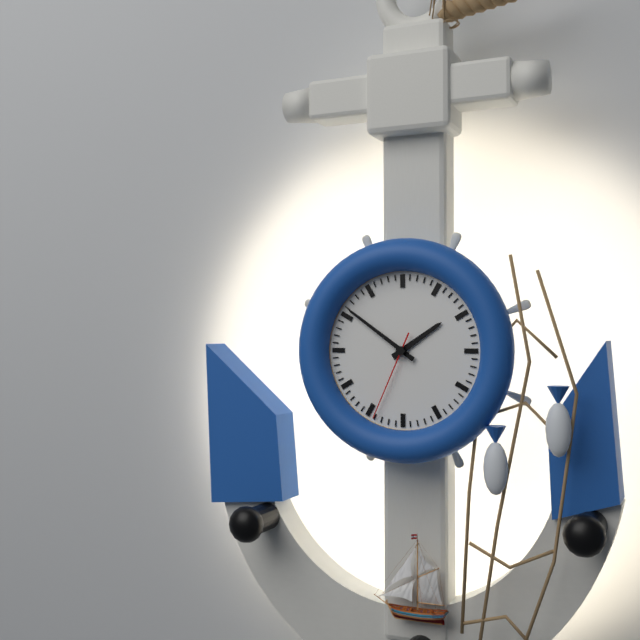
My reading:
h=1 m=51 s=34
